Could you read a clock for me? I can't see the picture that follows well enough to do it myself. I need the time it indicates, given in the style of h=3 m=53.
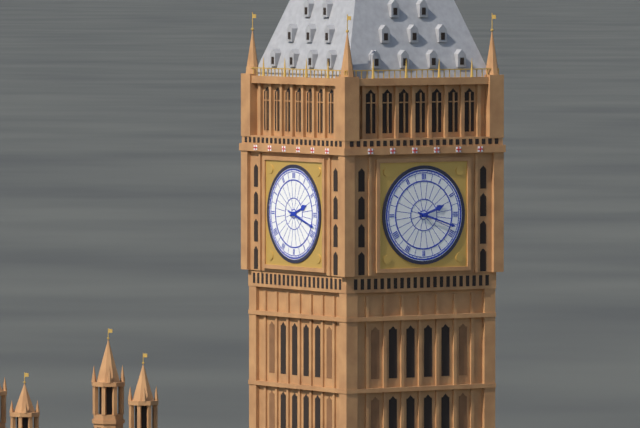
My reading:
h=2 m=18
